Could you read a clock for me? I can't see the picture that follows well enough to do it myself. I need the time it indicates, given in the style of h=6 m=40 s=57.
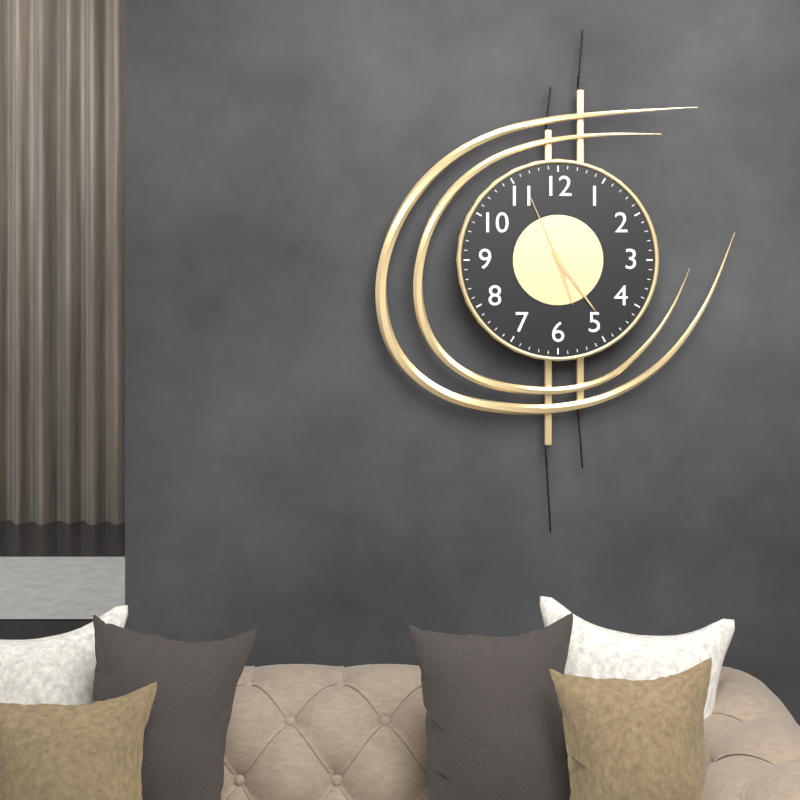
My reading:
h=5 m=24 s=56
